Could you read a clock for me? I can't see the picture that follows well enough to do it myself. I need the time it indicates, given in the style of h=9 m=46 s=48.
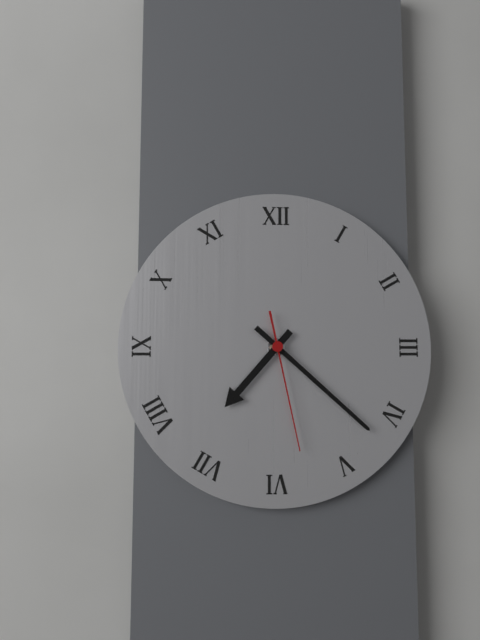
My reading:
h=7 m=22 s=28
